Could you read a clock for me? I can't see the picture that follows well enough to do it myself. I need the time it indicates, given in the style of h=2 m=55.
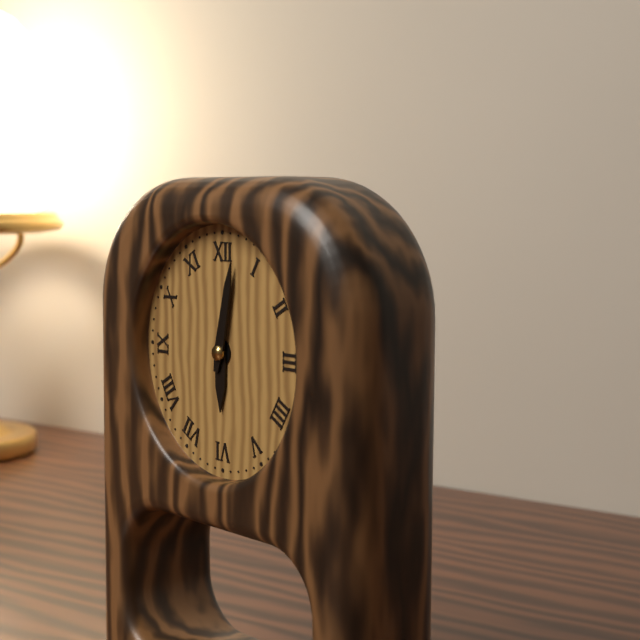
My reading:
h=6 m=2
